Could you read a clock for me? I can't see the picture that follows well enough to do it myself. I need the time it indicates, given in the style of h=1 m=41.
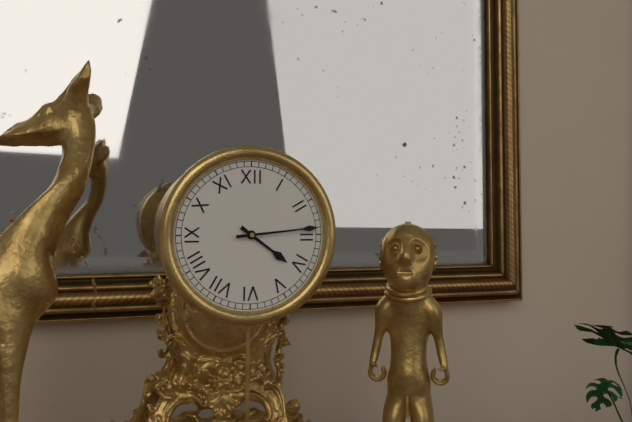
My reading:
h=4 m=14
